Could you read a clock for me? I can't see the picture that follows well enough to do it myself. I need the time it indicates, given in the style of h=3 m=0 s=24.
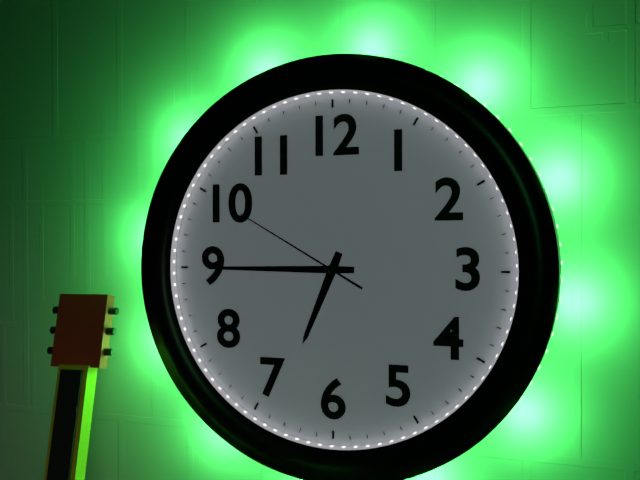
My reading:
h=6 m=45 s=50
